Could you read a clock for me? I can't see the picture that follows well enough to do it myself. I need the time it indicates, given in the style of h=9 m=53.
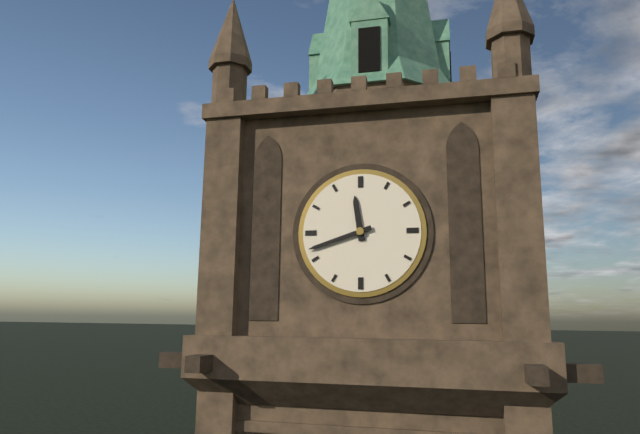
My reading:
h=11 m=42
